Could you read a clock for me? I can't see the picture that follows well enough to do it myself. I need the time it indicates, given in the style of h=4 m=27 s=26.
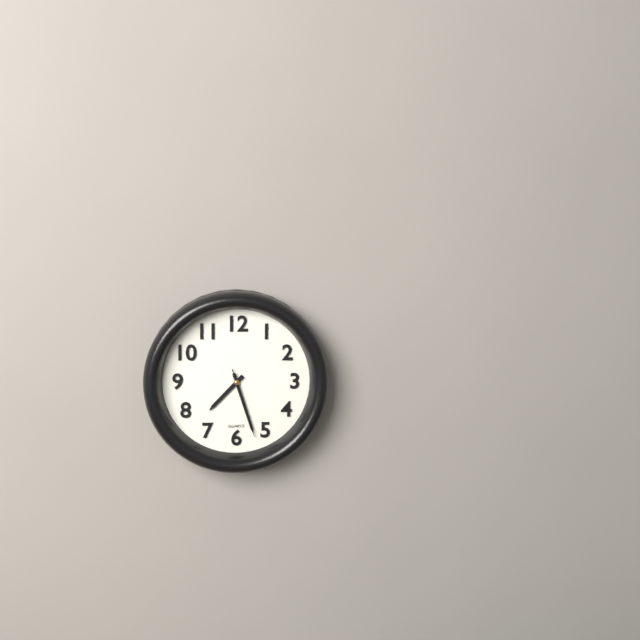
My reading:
h=7 m=27 s=27
